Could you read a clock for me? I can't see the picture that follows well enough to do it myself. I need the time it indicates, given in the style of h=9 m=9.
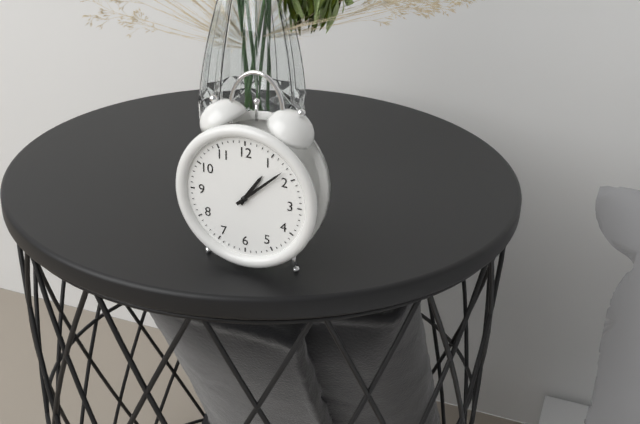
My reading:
h=1 m=8
